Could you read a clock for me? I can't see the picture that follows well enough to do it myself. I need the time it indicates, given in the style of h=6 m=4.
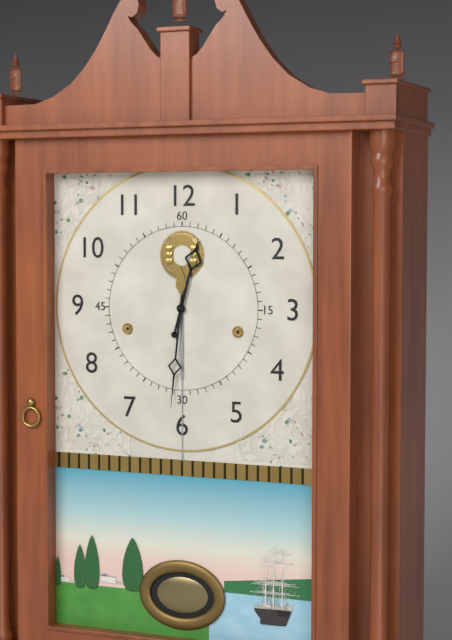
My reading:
h=12 m=31
